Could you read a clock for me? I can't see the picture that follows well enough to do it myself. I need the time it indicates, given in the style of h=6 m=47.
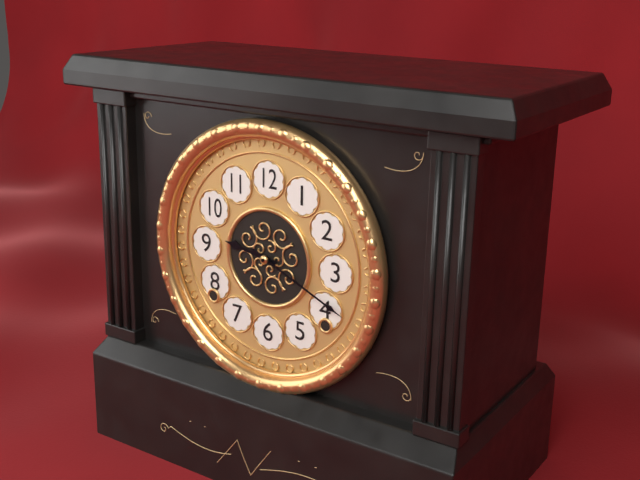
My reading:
h=9 m=19
